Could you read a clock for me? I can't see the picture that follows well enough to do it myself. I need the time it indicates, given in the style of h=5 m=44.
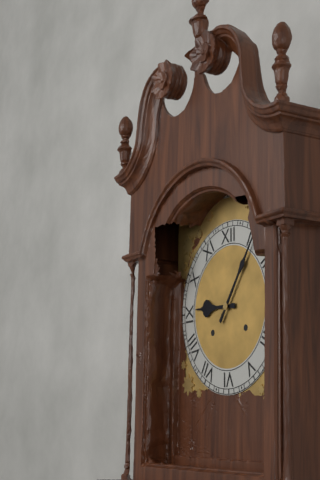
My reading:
h=9 m=6
